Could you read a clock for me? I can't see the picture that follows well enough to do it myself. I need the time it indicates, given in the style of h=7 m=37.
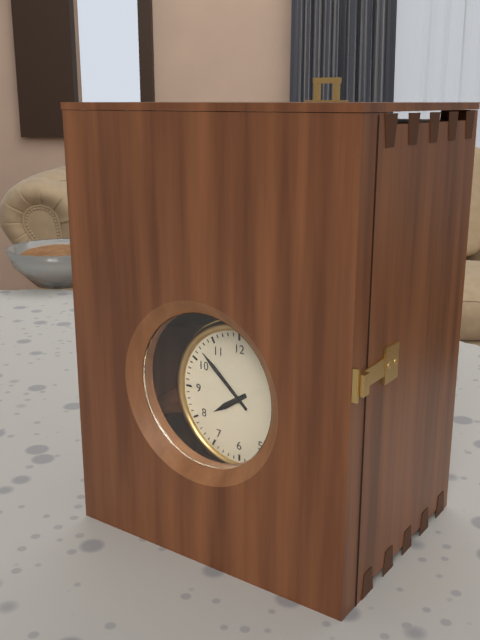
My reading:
h=7 m=52
